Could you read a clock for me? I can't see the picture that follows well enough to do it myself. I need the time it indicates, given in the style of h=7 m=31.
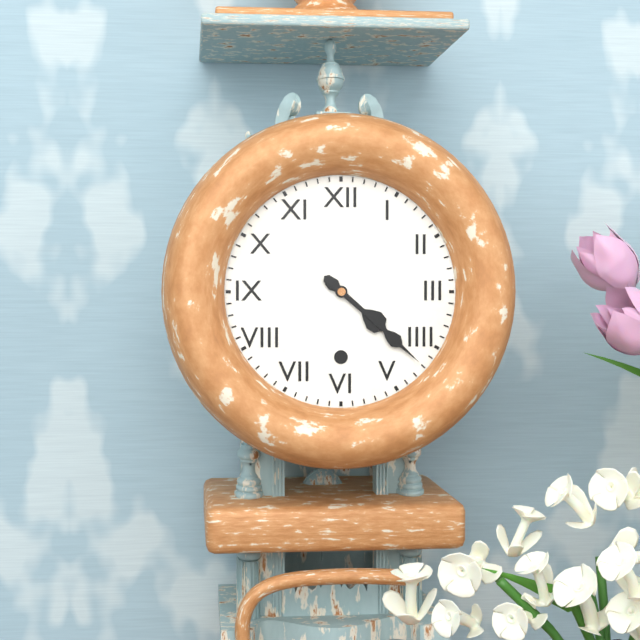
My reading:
h=4 m=22
